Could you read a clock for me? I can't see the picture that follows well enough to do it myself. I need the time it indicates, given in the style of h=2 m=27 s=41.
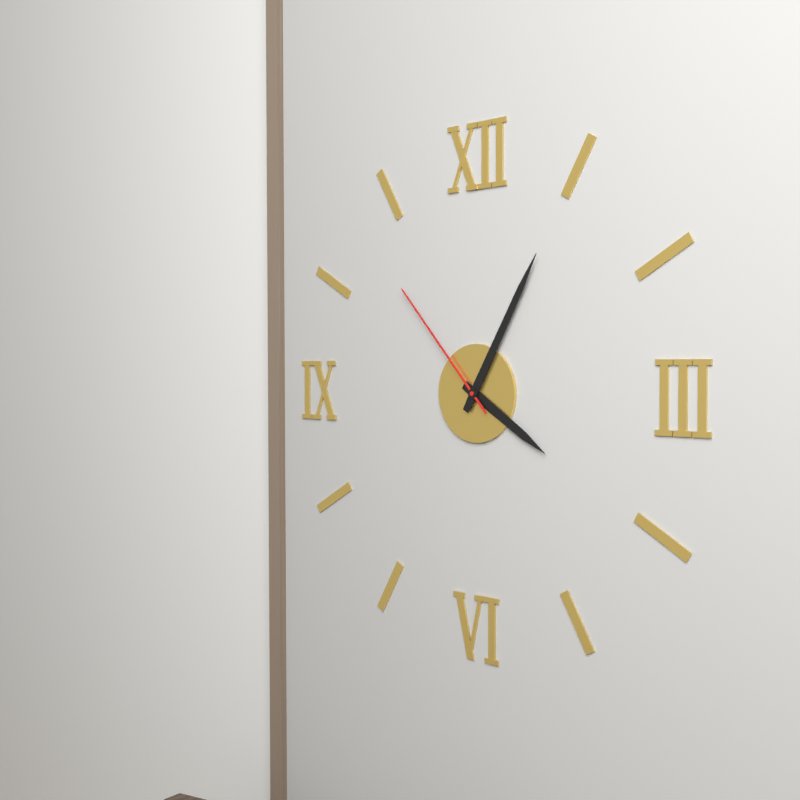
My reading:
h=4 m=5 s=53
